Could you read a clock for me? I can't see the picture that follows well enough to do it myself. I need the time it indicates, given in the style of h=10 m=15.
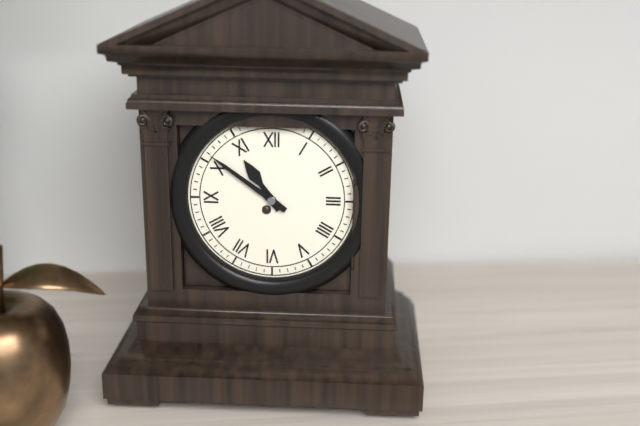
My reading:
h=10 m=51
